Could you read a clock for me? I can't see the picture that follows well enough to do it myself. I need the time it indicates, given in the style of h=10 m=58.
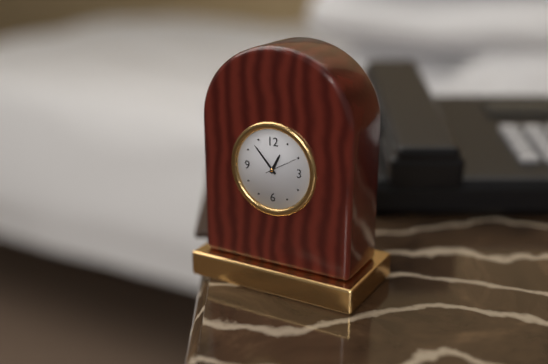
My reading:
h=12 m=53
